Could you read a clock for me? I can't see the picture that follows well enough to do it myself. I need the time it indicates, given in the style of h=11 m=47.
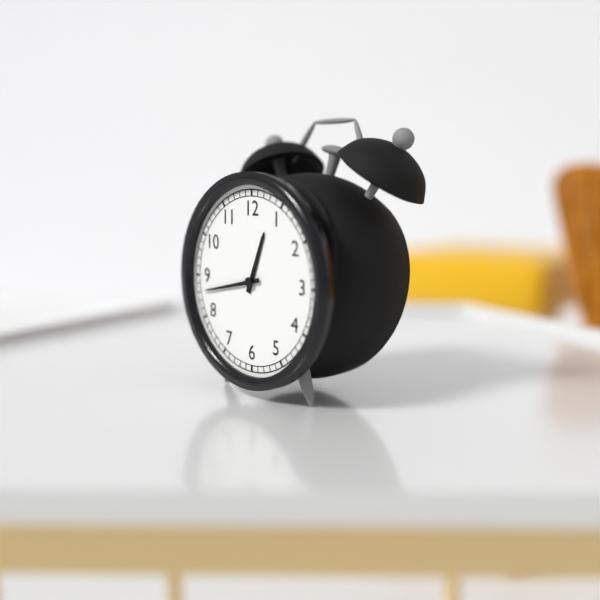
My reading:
h=12 m=43
